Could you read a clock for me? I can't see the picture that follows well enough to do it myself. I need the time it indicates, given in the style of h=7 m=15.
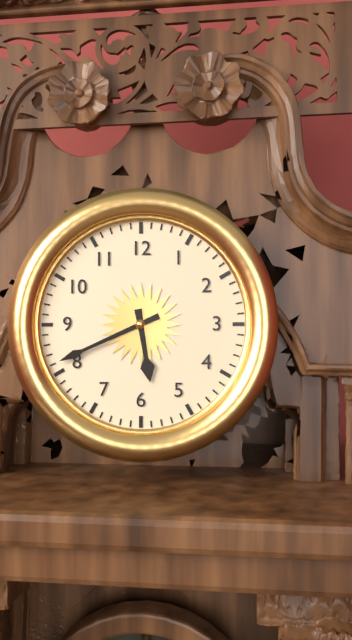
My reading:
h=5 m=41
